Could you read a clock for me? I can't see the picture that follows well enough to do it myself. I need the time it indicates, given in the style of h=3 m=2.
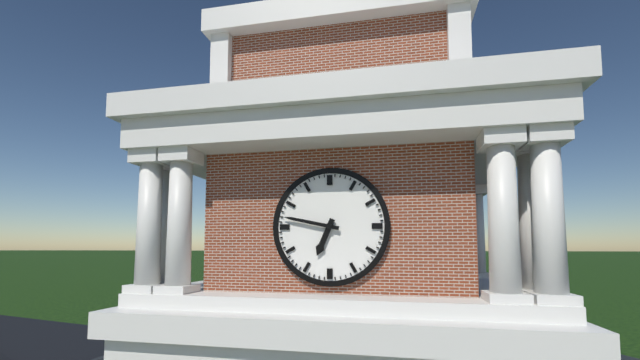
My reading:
h=6 m=47
